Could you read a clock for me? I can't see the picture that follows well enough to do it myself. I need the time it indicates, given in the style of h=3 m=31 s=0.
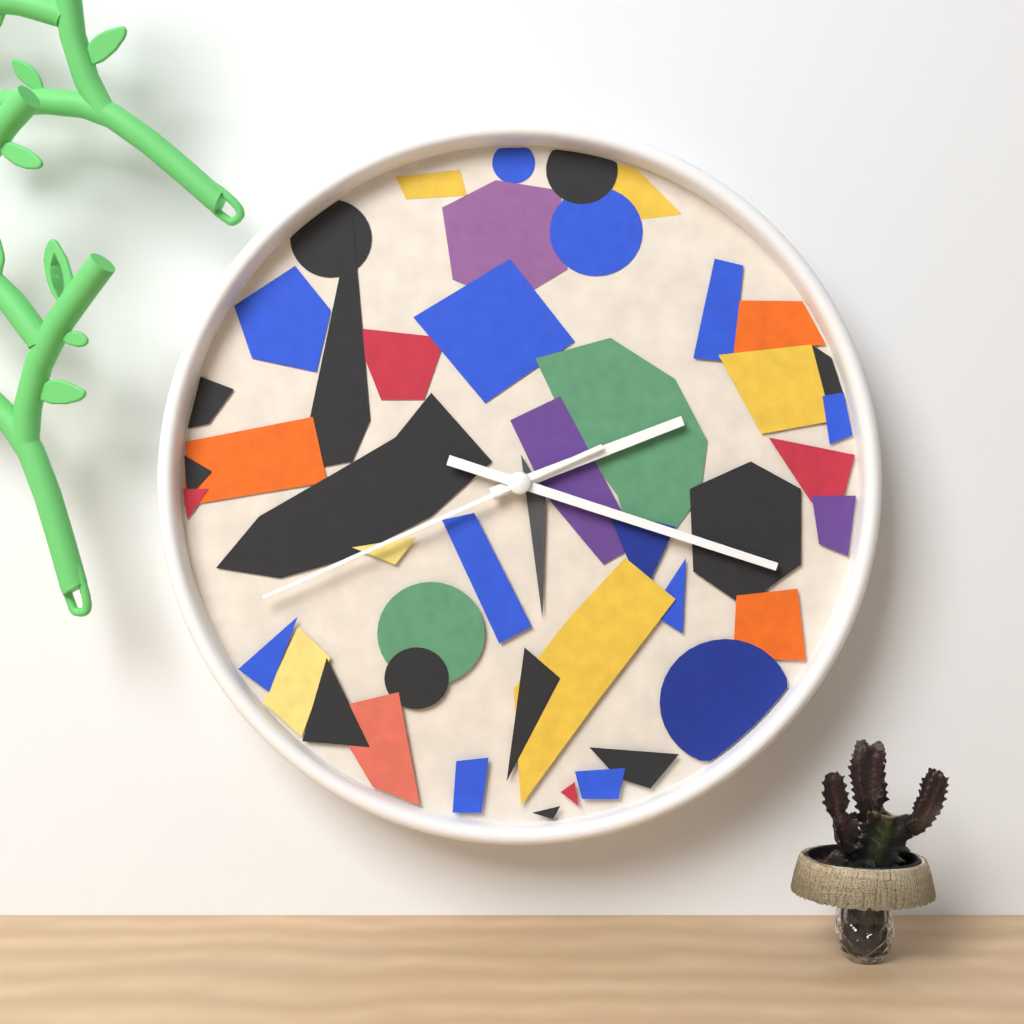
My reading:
h=2 m=18 s=41
